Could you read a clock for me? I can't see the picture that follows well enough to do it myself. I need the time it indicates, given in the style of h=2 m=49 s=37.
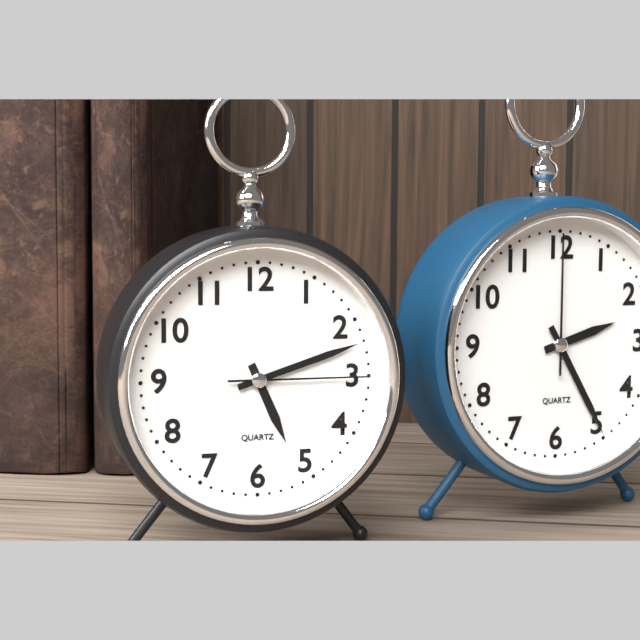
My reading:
h=5 m=12 s=15
